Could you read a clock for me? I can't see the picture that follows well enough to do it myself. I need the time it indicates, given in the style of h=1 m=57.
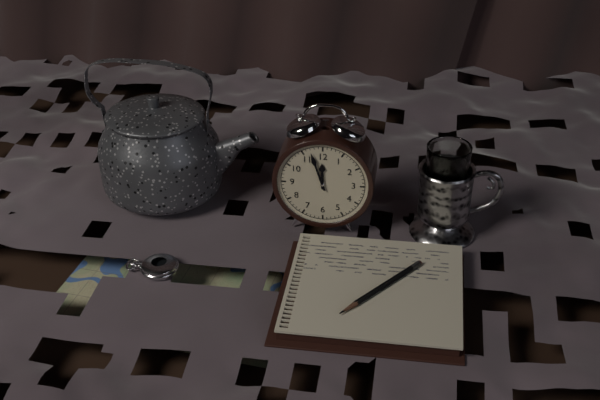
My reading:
h=11 m=57
